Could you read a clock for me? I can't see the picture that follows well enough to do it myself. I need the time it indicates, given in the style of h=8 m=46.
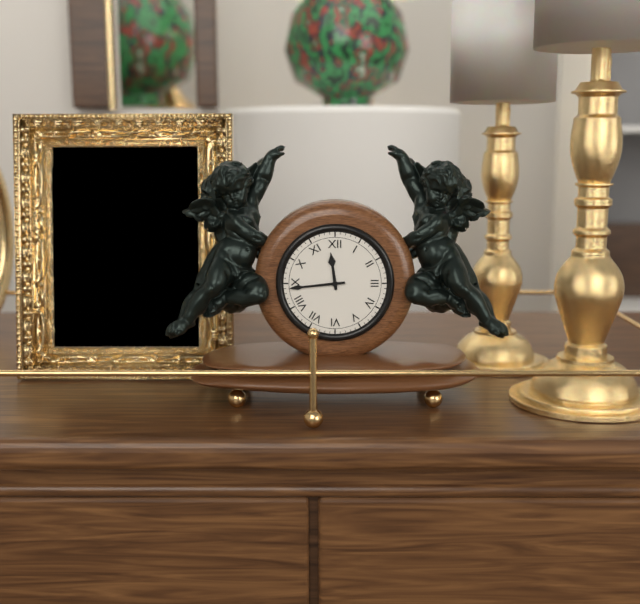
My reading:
h=11 m=44
